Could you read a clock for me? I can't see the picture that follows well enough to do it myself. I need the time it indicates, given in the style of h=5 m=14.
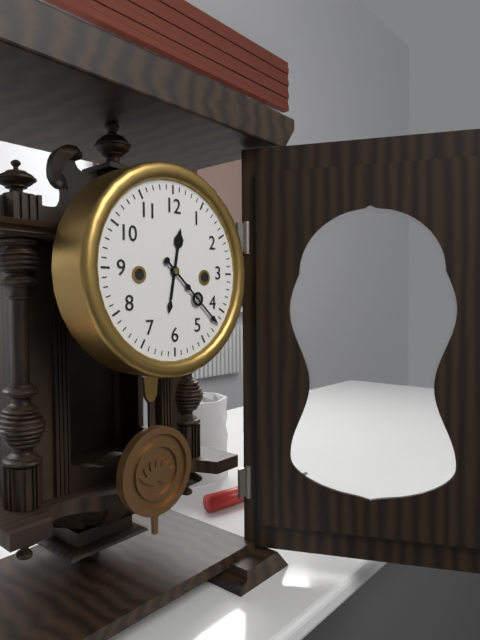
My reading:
h=12 m=22
